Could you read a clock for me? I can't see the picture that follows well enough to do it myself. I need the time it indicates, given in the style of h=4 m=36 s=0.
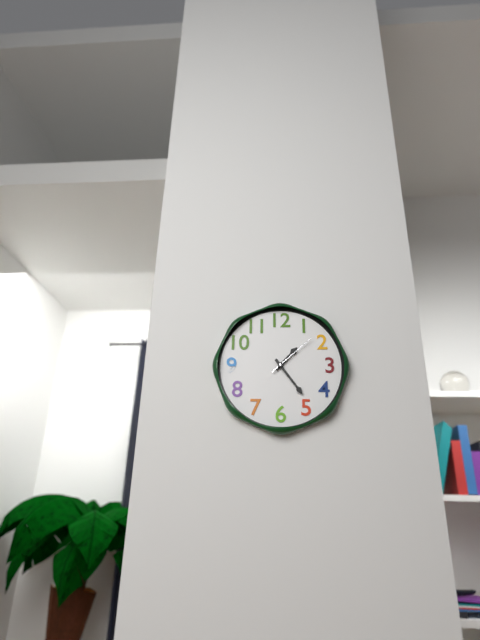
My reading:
h=1 m=24 s=8
